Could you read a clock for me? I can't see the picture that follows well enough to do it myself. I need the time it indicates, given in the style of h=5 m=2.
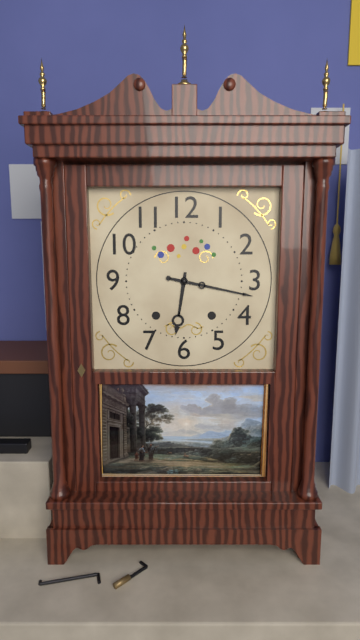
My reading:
h=6 m=17
